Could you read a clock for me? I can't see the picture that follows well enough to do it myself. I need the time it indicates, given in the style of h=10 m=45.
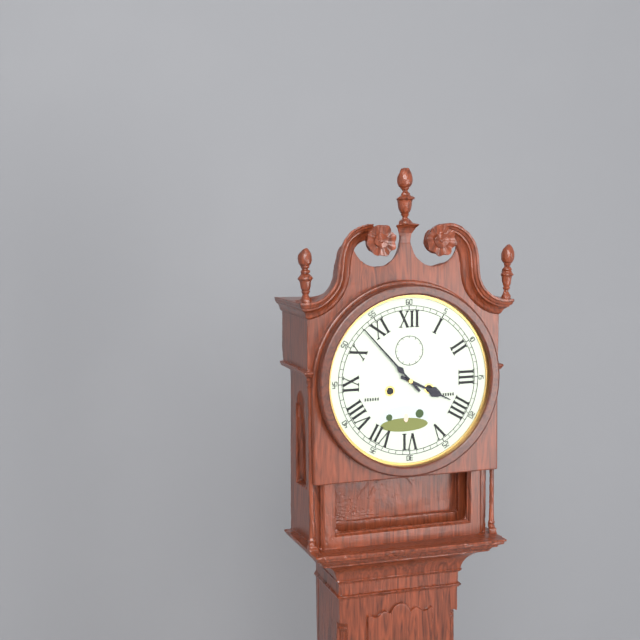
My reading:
h=3 m=53
